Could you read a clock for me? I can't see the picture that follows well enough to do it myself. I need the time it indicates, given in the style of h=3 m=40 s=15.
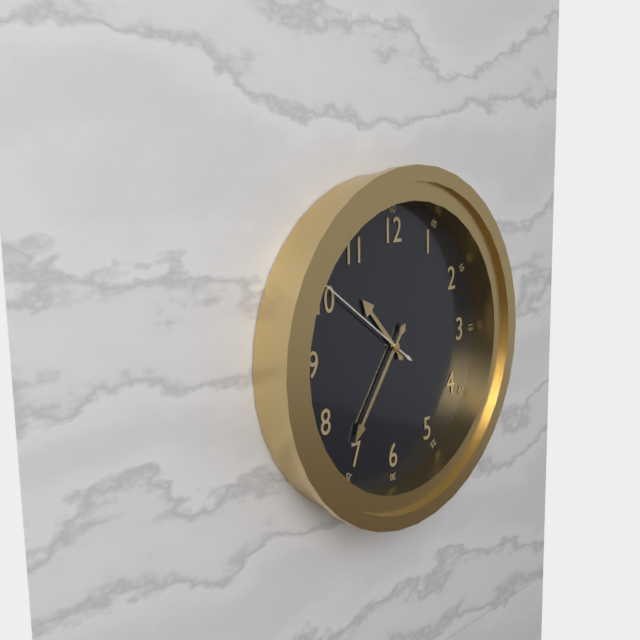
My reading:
h=10 m=36 s=51
